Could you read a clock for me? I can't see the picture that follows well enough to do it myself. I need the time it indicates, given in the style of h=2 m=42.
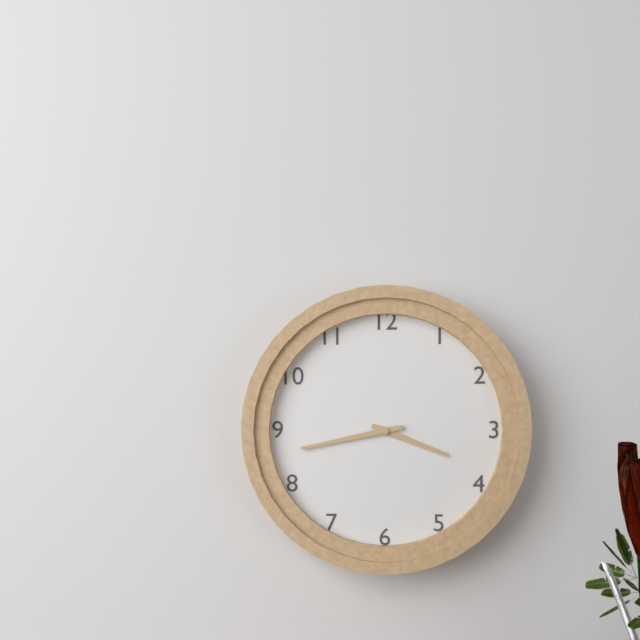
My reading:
h=3 m=43
